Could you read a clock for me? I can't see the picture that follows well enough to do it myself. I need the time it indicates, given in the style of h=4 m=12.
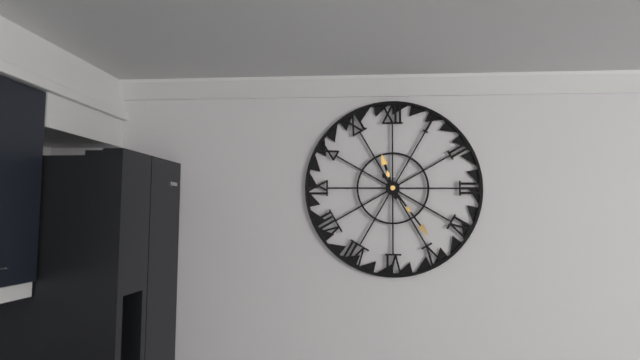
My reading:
h=11 m=24
